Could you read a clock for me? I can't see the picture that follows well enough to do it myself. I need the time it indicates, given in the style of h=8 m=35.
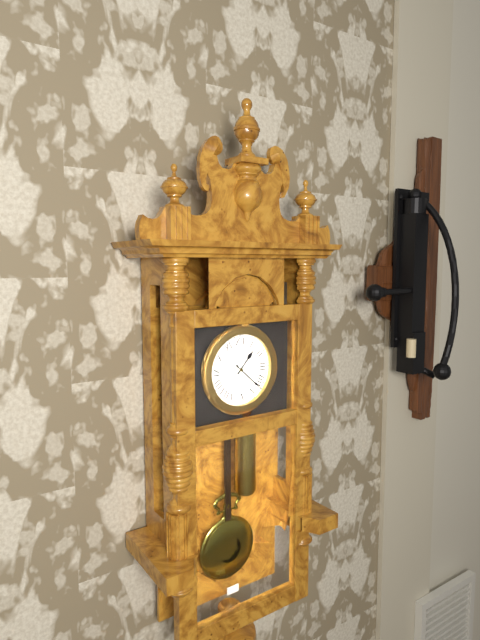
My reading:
h=1 m=22
